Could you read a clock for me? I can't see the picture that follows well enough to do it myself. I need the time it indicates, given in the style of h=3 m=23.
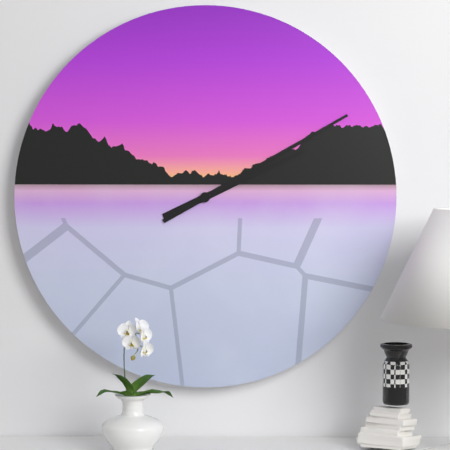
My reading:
h=2 m=10
